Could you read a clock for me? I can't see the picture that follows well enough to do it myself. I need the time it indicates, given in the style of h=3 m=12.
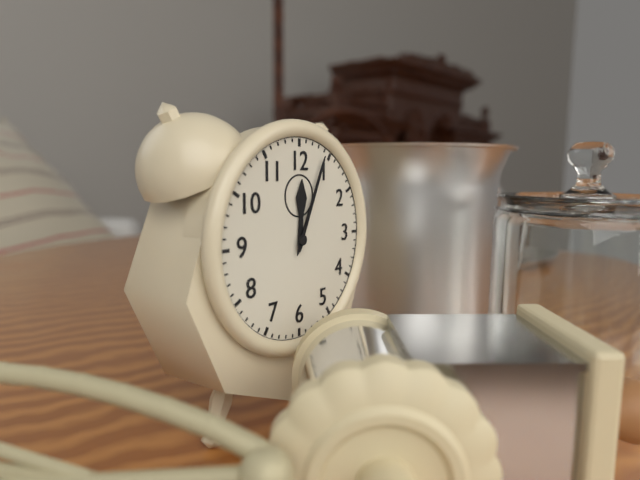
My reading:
h=12 m=4
